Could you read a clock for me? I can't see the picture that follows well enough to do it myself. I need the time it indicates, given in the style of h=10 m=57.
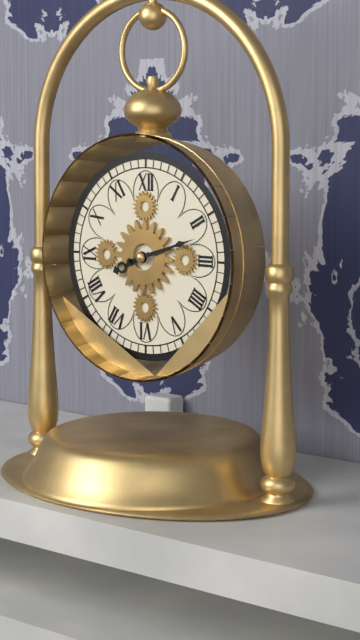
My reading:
h=8 m=12
